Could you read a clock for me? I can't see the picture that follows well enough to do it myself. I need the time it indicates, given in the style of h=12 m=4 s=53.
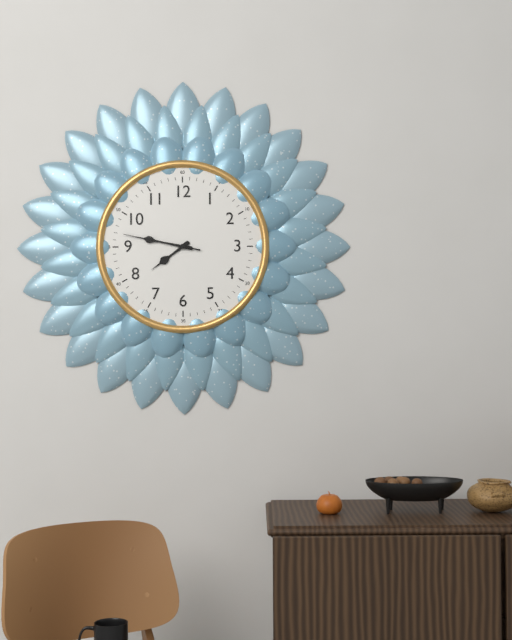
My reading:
h=7 m=47 s=47
